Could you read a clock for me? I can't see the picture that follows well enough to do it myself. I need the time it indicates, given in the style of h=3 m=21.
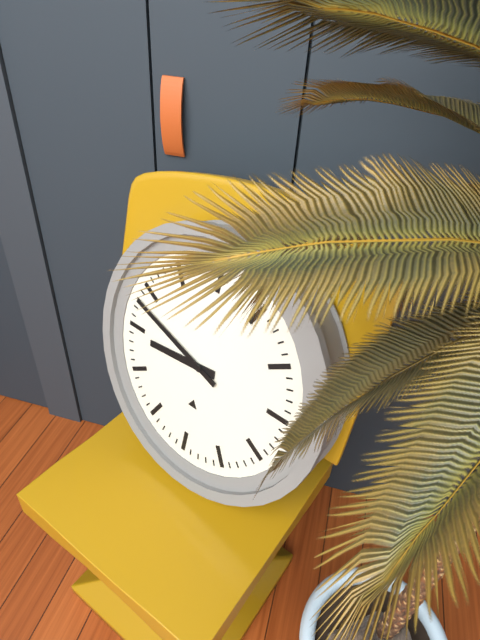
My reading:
h=8 m=48
